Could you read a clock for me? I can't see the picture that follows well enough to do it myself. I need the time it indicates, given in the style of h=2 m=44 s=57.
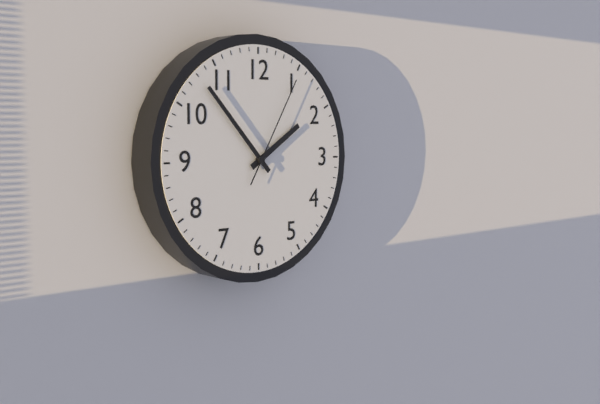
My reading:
h=1 m=53 s=5
